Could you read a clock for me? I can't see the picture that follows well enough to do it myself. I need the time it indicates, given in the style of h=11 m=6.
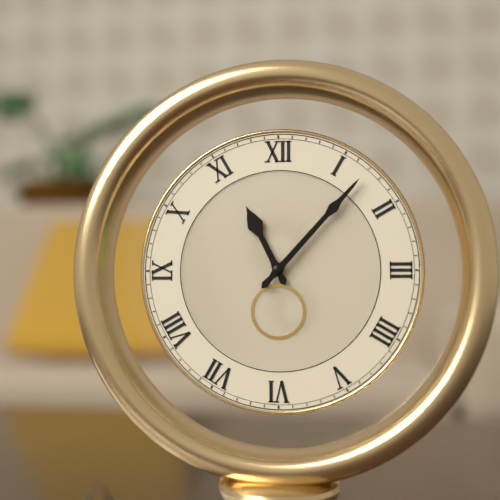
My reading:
h=11 m=7
